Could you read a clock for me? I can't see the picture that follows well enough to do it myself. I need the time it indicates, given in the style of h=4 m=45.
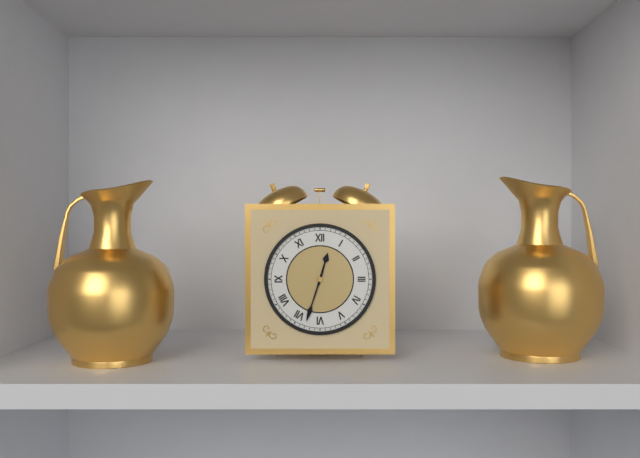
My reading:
h=12 m=33
